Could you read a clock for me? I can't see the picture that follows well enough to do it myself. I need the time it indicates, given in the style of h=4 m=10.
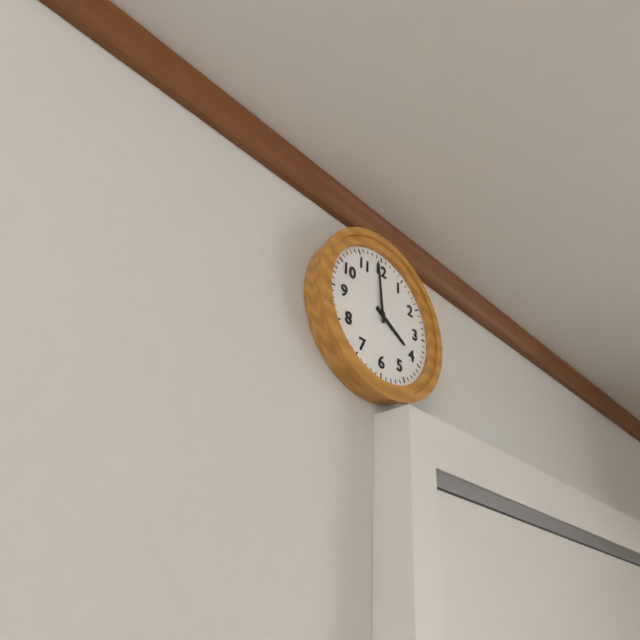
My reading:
h=3 m=59
